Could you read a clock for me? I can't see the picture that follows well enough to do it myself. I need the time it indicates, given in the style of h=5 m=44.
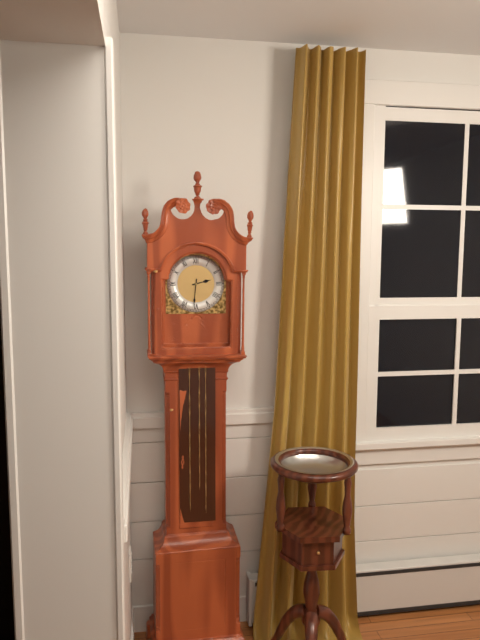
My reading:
h=2 m=31
